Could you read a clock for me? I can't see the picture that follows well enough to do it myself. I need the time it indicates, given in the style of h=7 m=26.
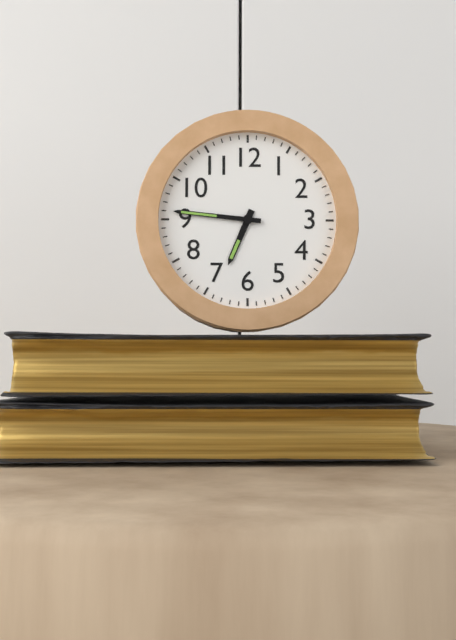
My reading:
h=6 m=46
